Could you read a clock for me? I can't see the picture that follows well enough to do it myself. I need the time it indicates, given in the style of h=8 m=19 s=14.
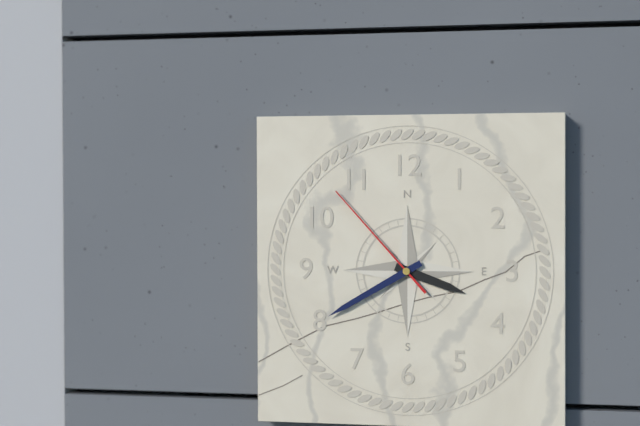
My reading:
h=3 m=40 s=53
